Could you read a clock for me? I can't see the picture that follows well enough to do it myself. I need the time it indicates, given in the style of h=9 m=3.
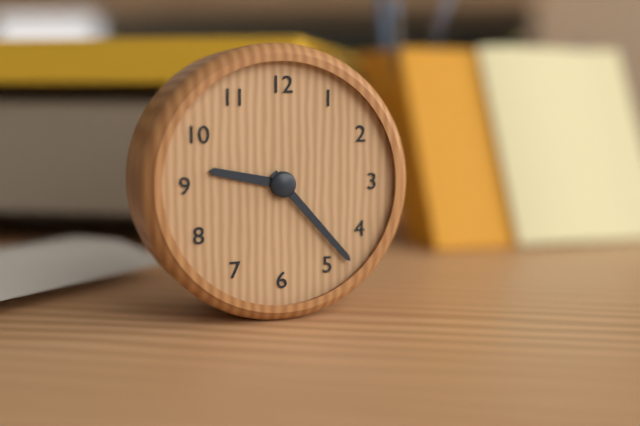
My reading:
h=9 m=23
